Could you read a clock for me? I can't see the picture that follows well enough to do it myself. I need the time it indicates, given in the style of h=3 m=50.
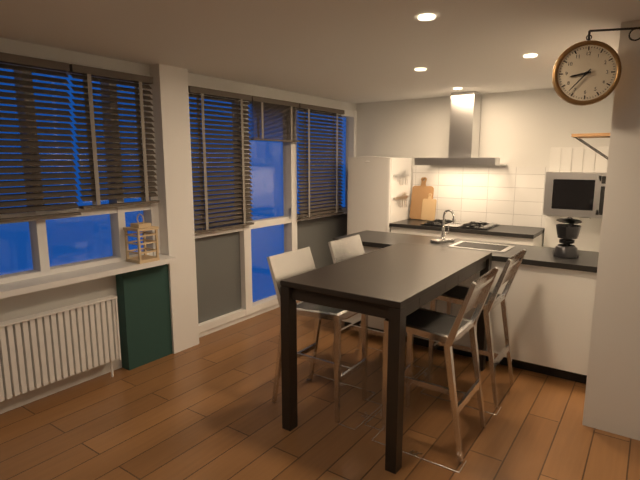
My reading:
h=8 m=37
